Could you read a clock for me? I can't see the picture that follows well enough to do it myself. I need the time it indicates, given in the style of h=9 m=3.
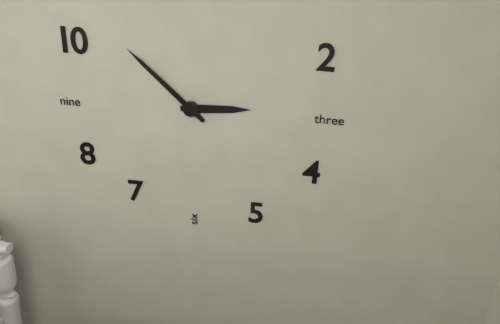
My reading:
h=2 m=52
